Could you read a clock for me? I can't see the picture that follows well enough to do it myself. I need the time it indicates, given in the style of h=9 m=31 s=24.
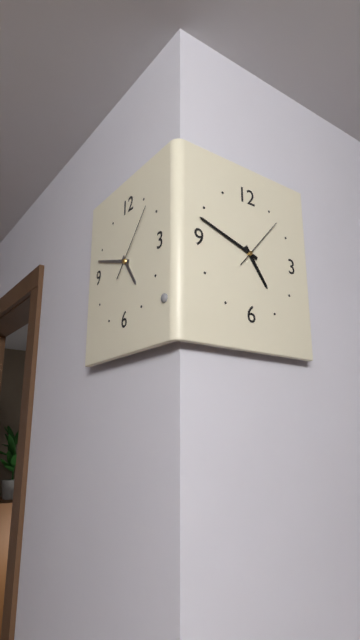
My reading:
h=4 m=48 s=7
